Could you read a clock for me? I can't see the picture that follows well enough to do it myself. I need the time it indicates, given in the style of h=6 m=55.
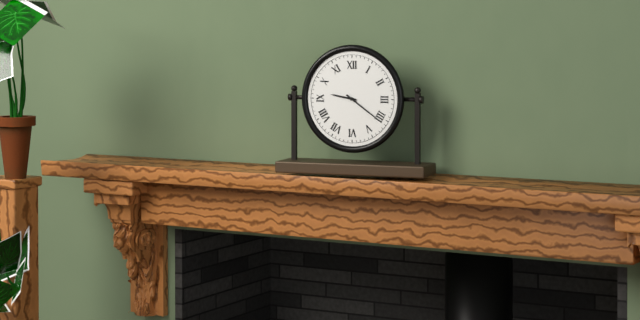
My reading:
h=9 m=21
